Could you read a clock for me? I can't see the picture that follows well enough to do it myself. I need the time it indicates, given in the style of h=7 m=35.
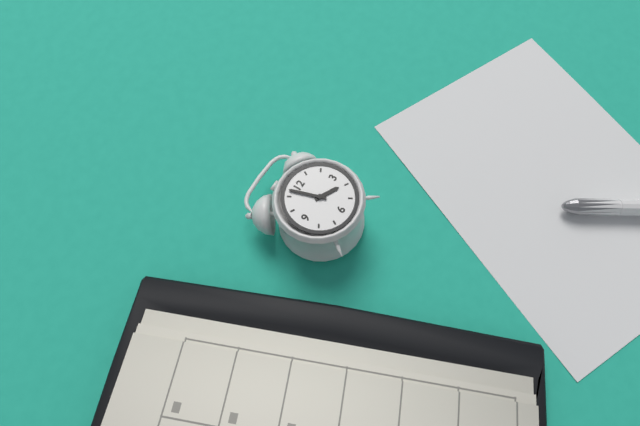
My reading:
h=3 m=57
